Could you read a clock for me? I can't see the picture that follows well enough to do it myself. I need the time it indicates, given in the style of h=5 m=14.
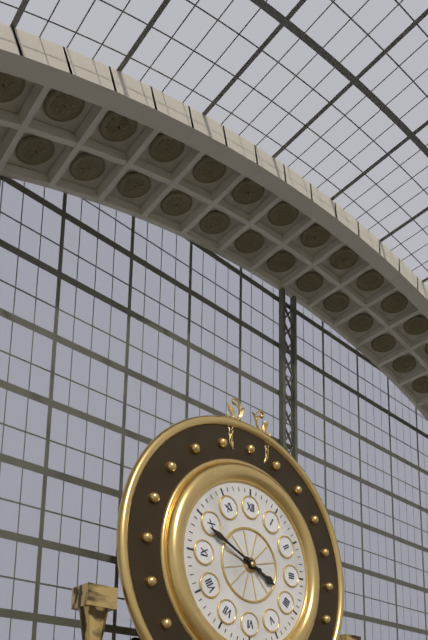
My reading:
h=3 m=49
